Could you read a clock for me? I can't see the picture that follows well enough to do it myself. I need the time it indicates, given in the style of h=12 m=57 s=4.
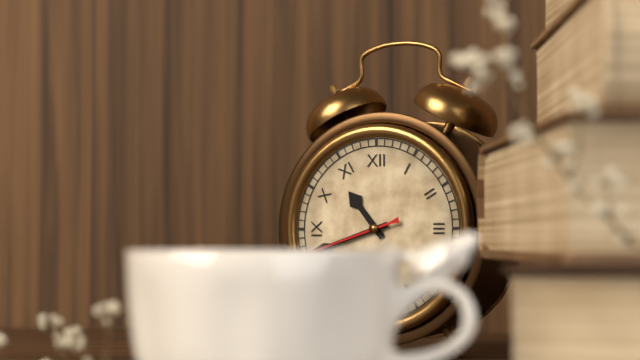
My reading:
h=10 m=42 s=42
